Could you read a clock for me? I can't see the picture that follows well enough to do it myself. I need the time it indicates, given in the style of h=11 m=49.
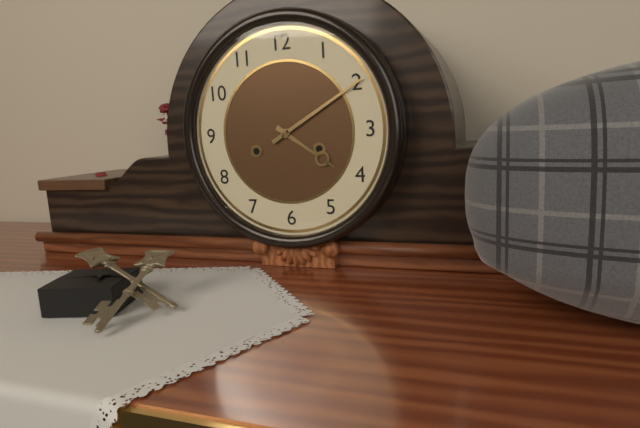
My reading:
h=4 m=10
